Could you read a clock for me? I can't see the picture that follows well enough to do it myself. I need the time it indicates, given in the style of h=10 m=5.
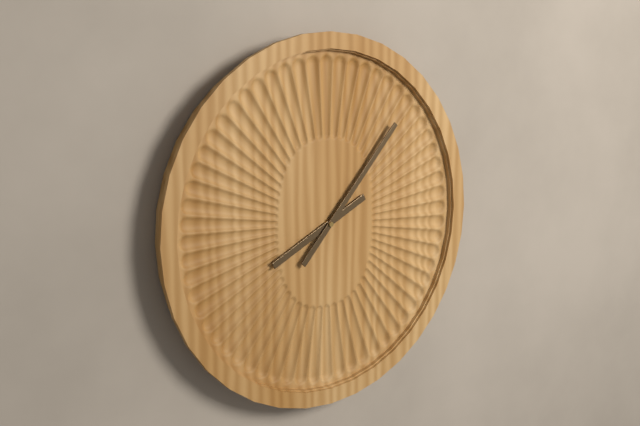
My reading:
h=8 m=7
